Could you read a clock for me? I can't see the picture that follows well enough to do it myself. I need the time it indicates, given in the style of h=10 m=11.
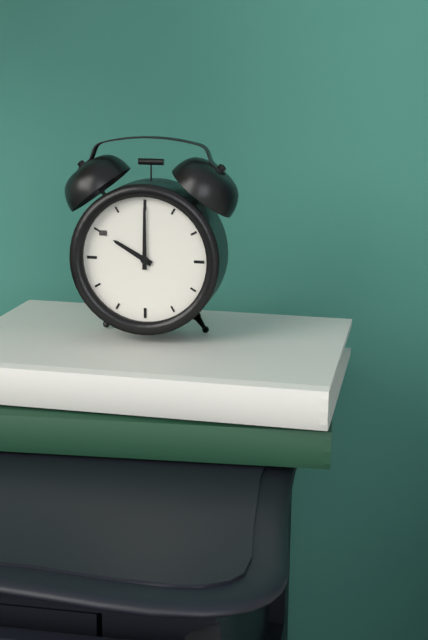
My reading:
h=10 m=0
